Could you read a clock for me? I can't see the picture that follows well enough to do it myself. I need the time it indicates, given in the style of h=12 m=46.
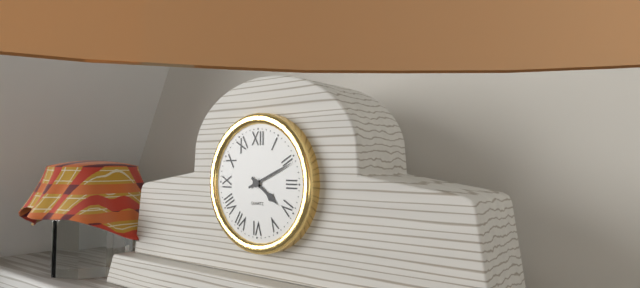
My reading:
h=4 m=11
